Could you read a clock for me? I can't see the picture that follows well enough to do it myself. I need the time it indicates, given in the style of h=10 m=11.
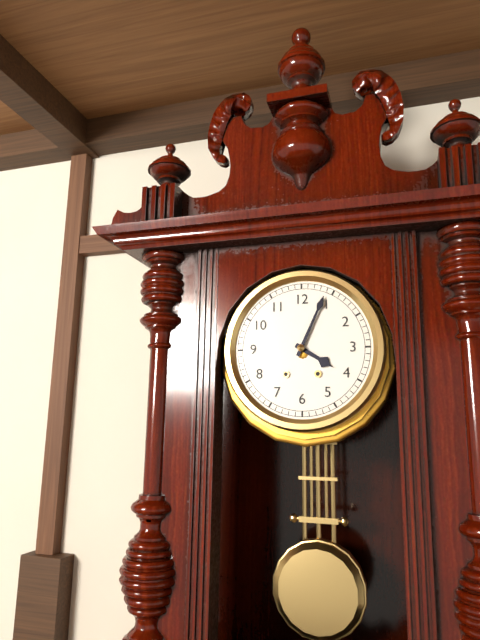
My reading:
h=4 m=4
